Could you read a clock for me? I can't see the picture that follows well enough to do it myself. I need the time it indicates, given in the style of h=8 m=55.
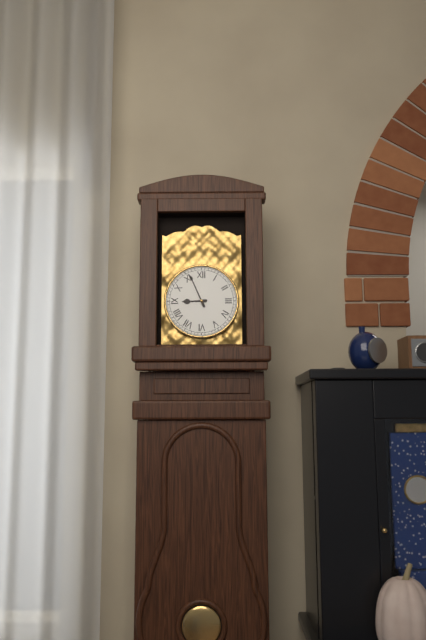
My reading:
h=8 m=56
